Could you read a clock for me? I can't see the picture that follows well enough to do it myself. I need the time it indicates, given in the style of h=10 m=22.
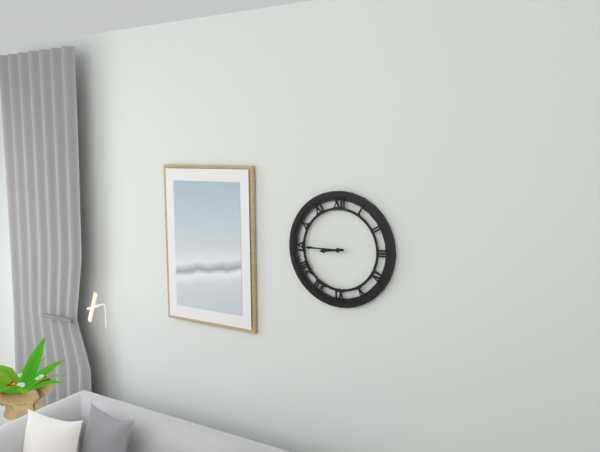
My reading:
h=8 m=45
